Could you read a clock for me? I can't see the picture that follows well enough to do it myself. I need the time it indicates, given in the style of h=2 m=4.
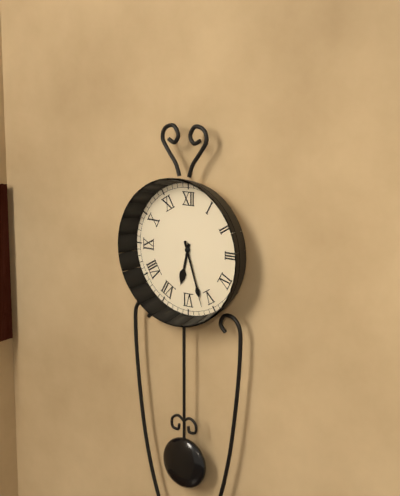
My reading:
h=6 m=27
